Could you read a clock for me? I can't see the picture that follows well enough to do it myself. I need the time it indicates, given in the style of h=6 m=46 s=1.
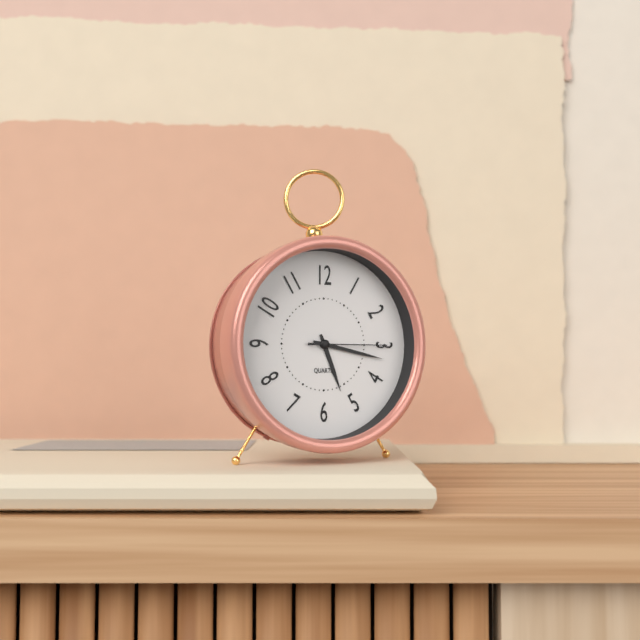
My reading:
h=5 m=17 s=15
